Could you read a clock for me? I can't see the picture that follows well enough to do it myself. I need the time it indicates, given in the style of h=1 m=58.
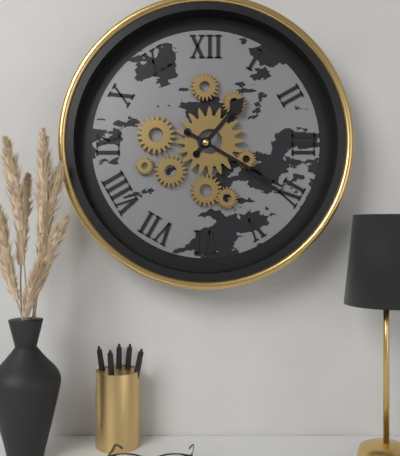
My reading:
h=1 m=20
